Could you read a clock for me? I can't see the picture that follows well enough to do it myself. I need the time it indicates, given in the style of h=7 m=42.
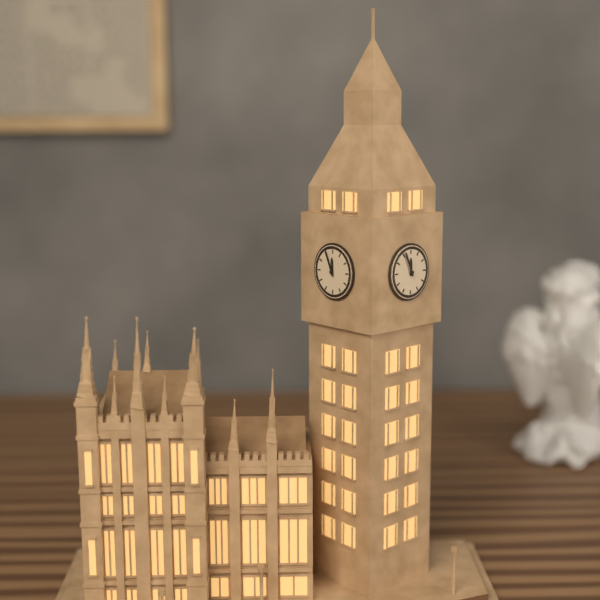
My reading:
h=11 m=56
